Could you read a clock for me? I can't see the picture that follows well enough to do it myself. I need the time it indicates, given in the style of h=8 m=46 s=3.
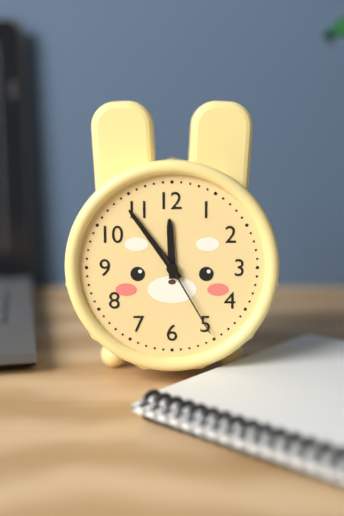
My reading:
h=11 m=54 s=25
